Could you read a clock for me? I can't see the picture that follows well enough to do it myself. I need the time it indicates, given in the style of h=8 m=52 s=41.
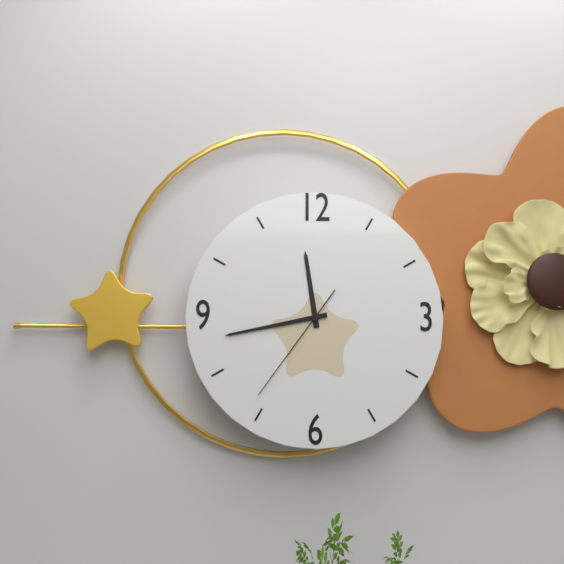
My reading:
h=11 m=43 s=36
